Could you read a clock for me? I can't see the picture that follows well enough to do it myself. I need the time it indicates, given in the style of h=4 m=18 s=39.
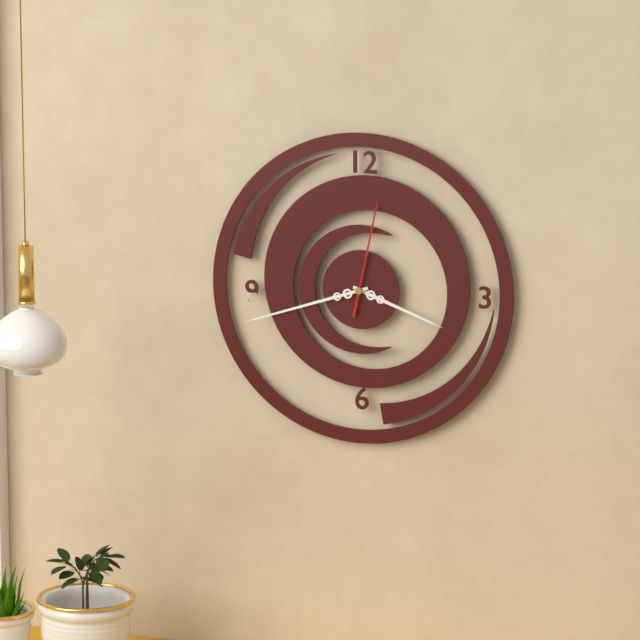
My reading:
h=3 m=42 s=2
